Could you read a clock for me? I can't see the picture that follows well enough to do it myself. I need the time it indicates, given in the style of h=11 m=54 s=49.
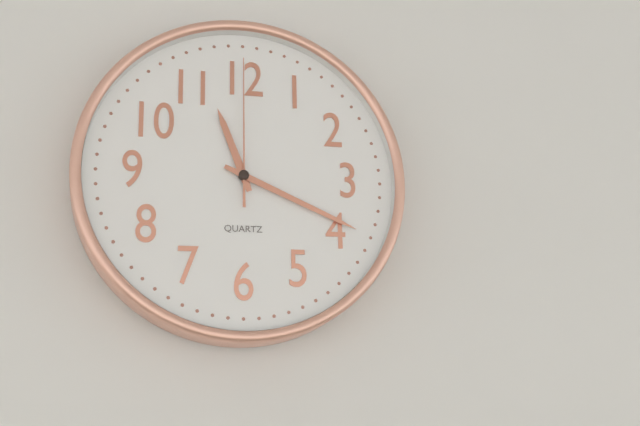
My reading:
h=11 m=19 s=0
